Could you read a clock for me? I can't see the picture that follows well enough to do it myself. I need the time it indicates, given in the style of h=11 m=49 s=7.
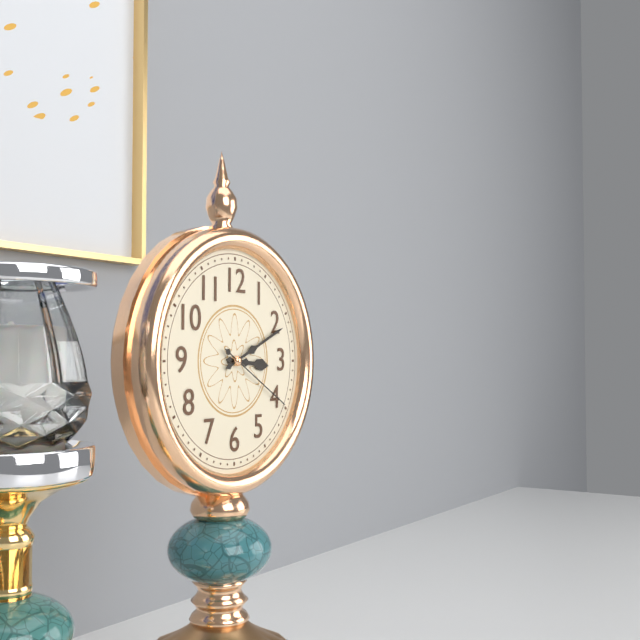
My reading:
h=3 m=11 s=20
